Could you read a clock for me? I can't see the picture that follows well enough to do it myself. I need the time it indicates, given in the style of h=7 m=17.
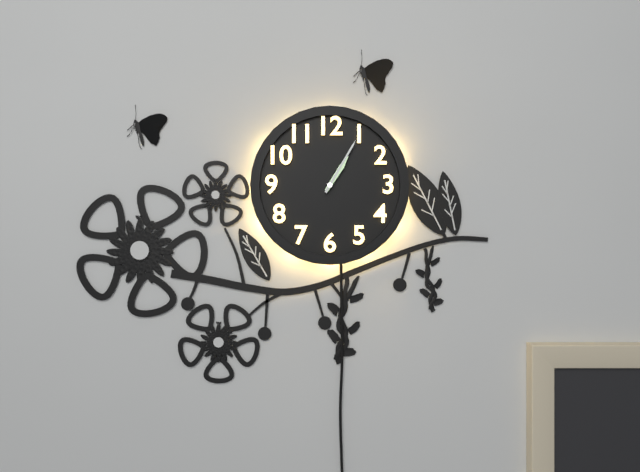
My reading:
h=1 m=5
